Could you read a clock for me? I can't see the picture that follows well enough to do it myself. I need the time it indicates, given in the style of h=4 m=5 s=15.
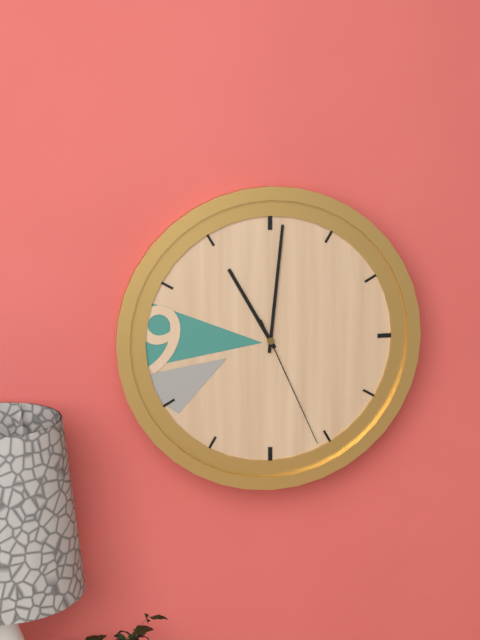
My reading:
h=11 m=1 s=26
